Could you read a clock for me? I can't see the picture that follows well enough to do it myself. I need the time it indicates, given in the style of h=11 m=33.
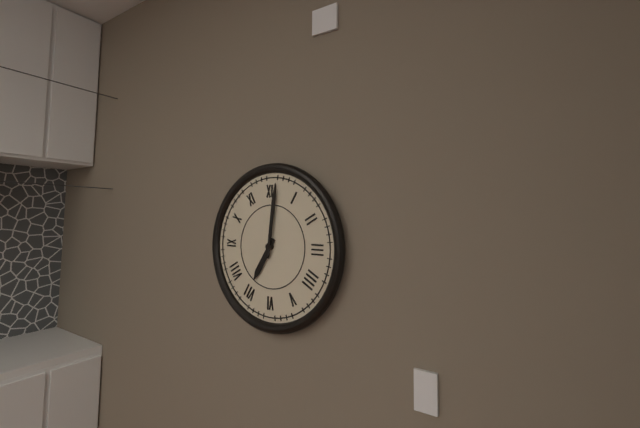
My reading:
h=7 m=1
